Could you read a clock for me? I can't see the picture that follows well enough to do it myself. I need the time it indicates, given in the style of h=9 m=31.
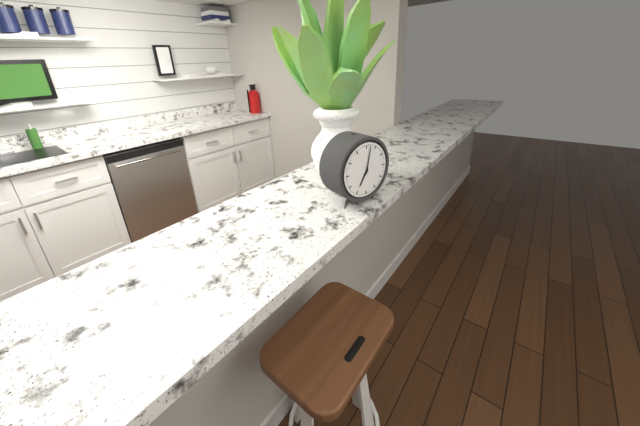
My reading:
h=7 m=2
